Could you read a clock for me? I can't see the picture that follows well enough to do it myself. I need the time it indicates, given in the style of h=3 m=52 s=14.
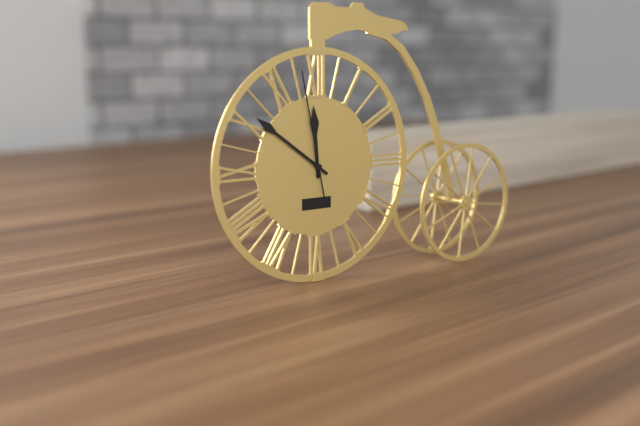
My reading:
h=11 m=51 s=58
